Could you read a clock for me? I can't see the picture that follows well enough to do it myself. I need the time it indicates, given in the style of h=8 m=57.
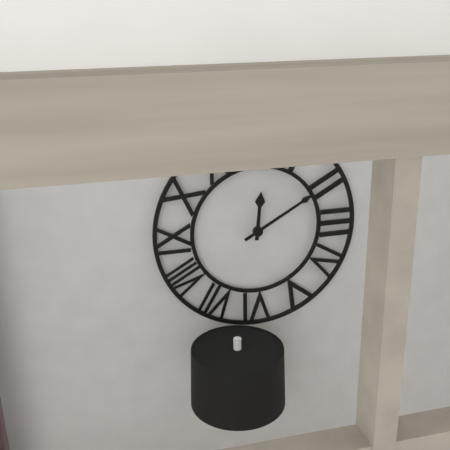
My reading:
h=12 m=10
